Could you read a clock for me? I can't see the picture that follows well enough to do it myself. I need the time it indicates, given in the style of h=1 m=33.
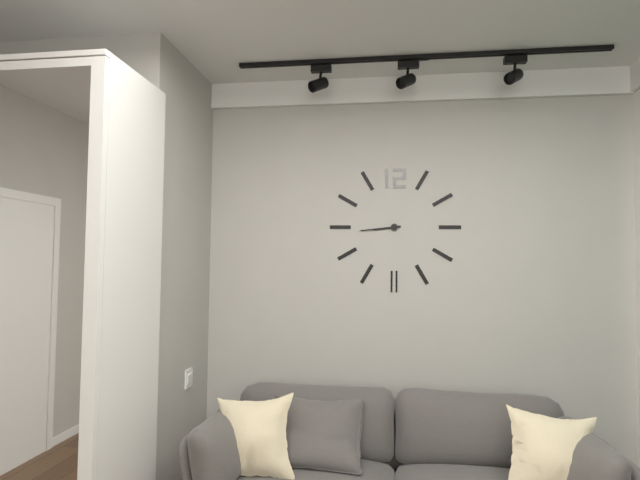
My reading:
h=8 m=44
